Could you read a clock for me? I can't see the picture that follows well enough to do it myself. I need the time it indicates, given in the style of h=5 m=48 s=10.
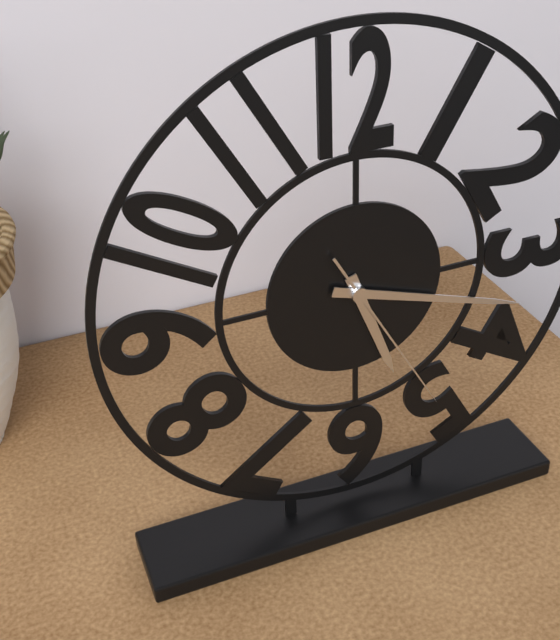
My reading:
h=5 m=18 s=25
